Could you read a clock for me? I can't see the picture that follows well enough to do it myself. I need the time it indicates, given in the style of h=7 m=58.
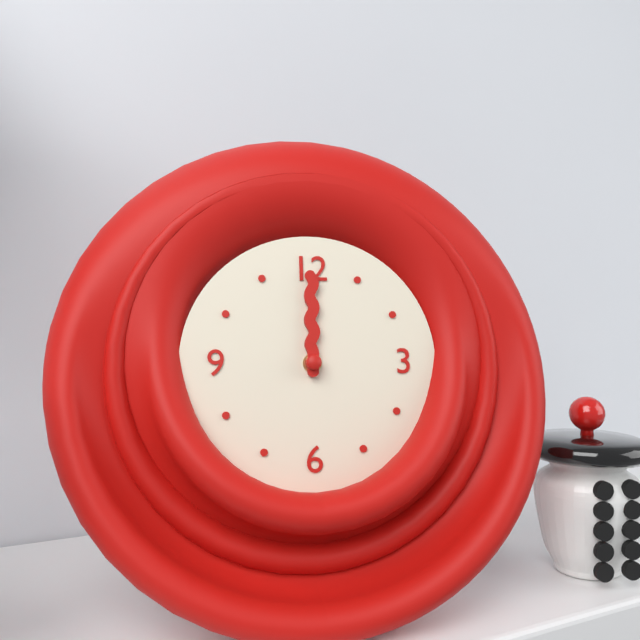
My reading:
h=12 m=0
